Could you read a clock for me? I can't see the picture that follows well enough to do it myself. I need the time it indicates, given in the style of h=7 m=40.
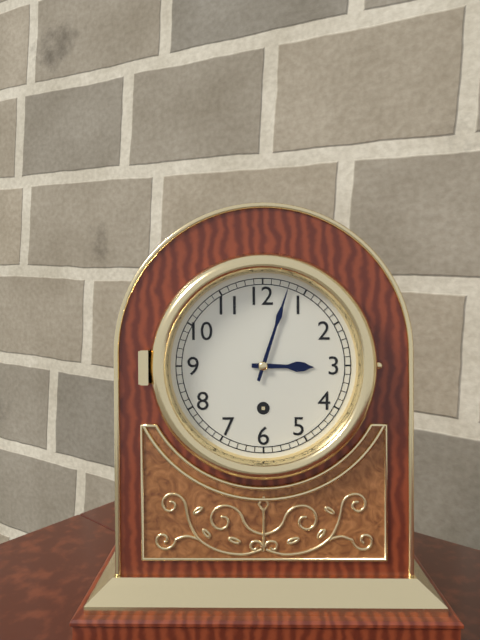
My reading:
h=3 m=3
